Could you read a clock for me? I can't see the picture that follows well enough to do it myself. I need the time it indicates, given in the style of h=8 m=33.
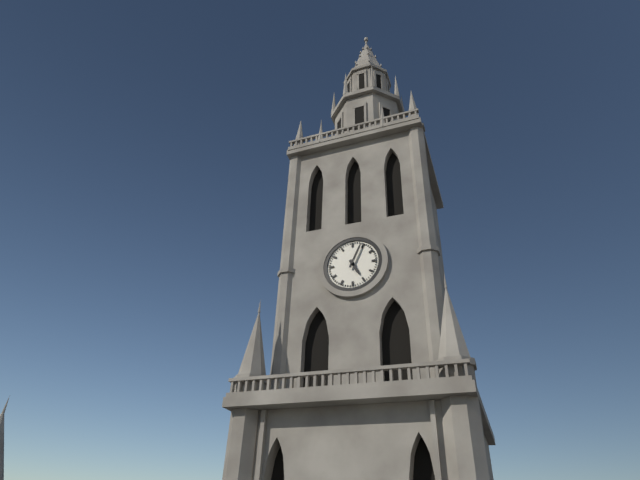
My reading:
h=5 m=4
